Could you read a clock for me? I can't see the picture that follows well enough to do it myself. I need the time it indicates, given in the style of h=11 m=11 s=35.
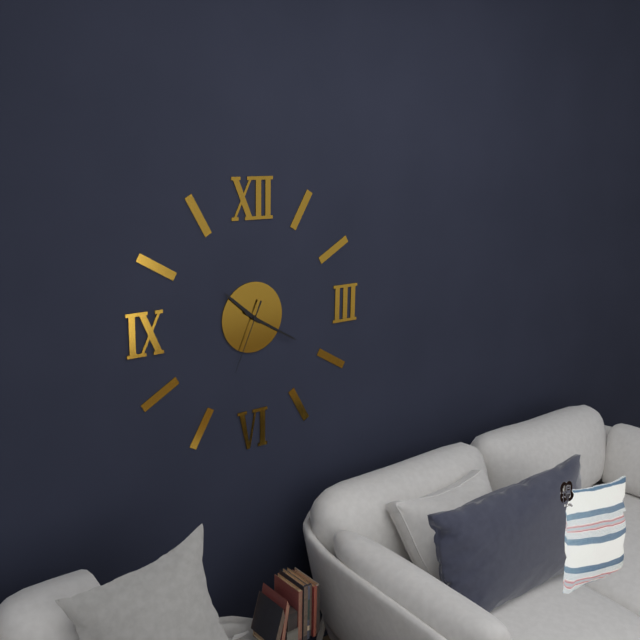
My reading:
h=10 m=20 s=34
